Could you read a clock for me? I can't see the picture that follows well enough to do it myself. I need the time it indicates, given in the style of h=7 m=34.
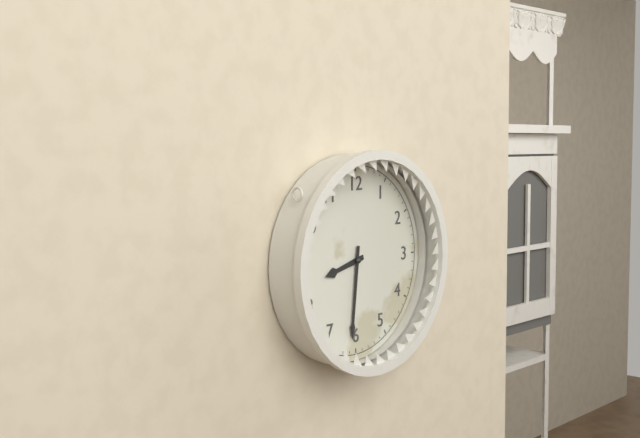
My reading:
h=8 m=31
